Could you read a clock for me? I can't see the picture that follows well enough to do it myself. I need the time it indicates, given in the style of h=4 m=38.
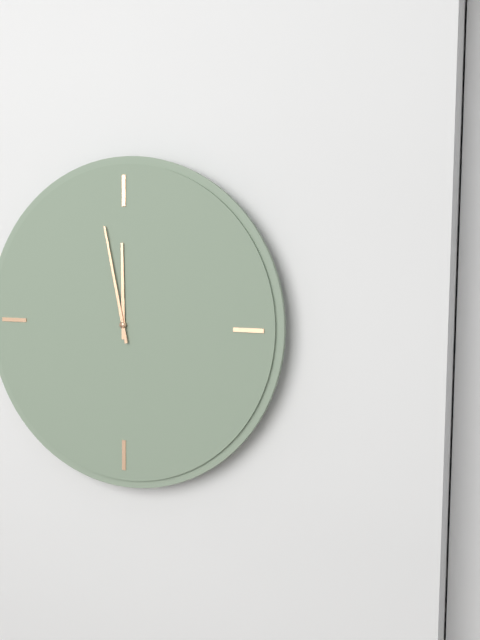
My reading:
h=11 m=58
